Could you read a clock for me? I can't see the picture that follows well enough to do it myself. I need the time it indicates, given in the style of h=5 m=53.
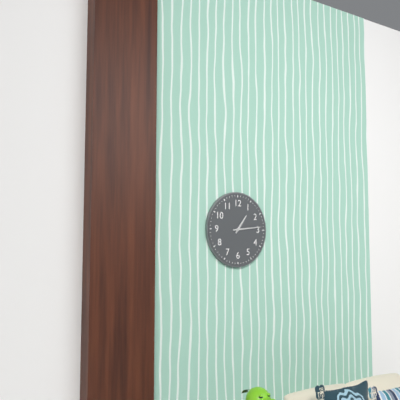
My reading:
h=1 m=14
